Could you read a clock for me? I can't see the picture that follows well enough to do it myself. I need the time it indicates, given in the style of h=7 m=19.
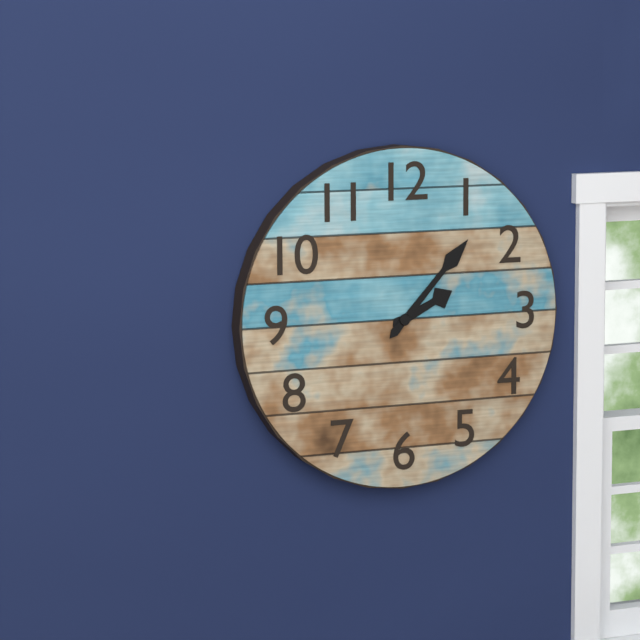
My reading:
h=2 m=7
